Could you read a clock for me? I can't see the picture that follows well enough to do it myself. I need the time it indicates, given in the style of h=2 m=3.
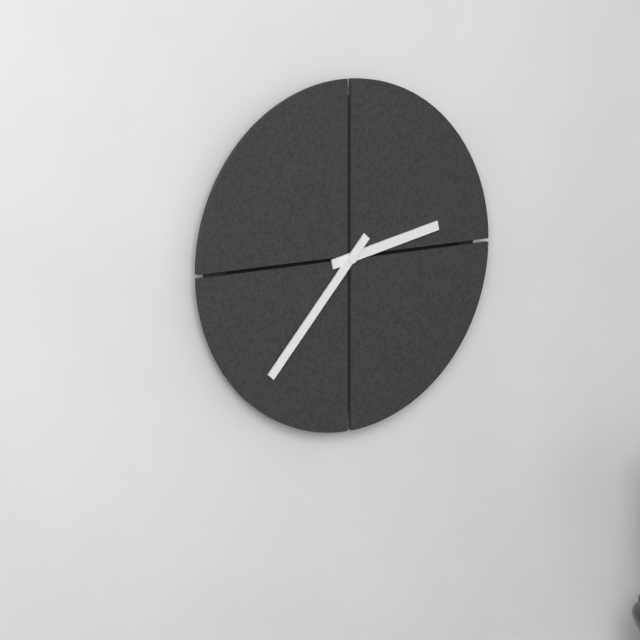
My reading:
h=2 m=37
